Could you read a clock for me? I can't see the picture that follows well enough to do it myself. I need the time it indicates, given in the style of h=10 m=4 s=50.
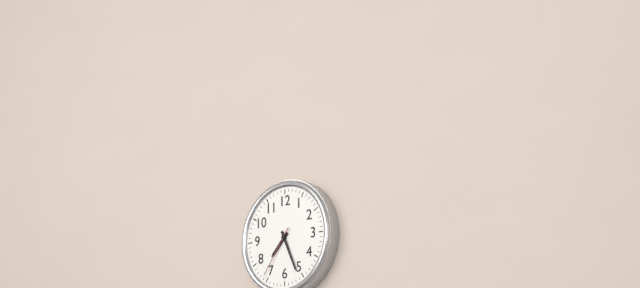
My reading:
h=7 m=26 s=36
